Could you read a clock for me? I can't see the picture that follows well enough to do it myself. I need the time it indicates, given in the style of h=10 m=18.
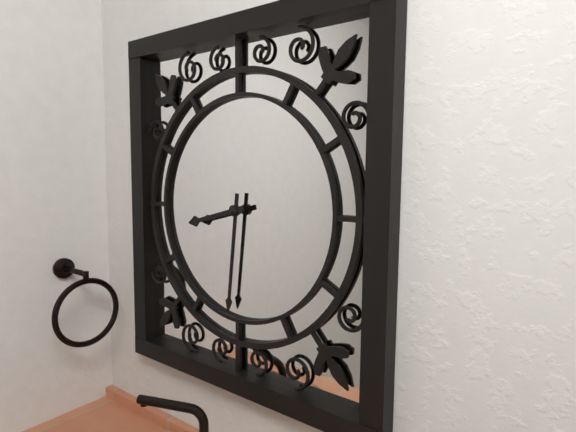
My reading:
h=8 m=31
